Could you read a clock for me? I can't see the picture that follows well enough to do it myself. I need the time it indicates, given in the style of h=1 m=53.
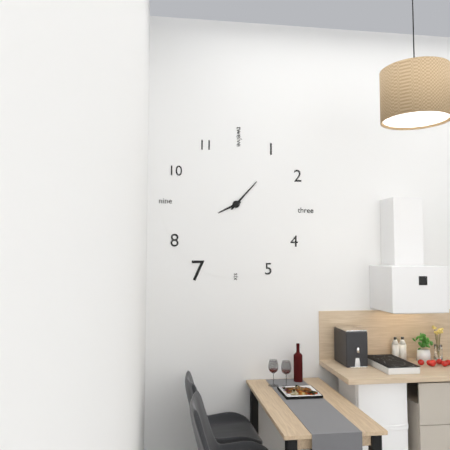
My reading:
h=8 m=7
